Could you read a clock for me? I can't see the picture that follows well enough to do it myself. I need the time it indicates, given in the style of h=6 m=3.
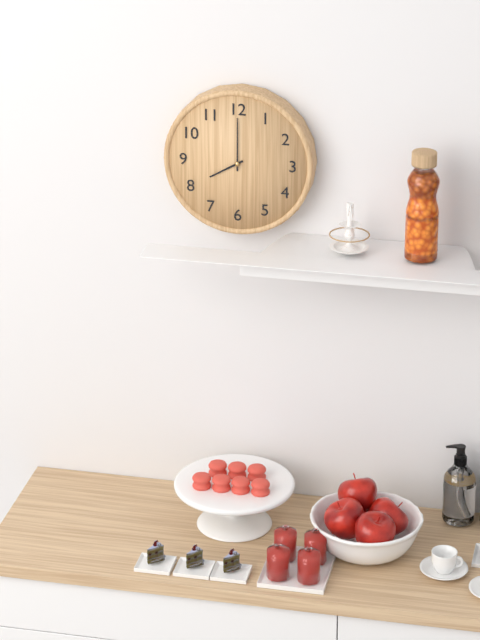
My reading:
h=8 m=0
